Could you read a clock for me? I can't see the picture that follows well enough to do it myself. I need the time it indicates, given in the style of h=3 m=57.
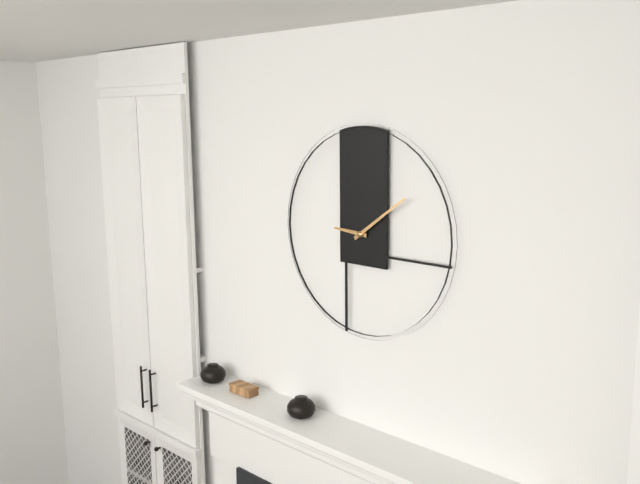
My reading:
h=9 m=9
